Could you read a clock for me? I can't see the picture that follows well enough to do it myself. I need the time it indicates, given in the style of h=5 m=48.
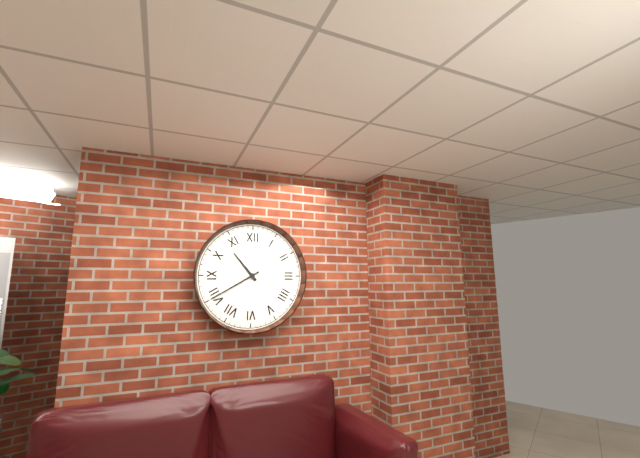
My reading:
h=10 m=40
